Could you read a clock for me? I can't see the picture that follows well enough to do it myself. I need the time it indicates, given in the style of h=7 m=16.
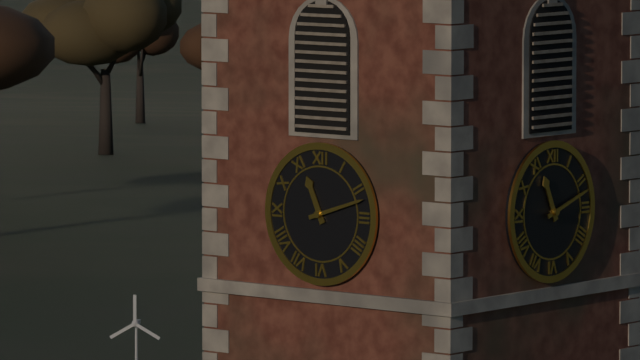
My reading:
h=11 m=12
